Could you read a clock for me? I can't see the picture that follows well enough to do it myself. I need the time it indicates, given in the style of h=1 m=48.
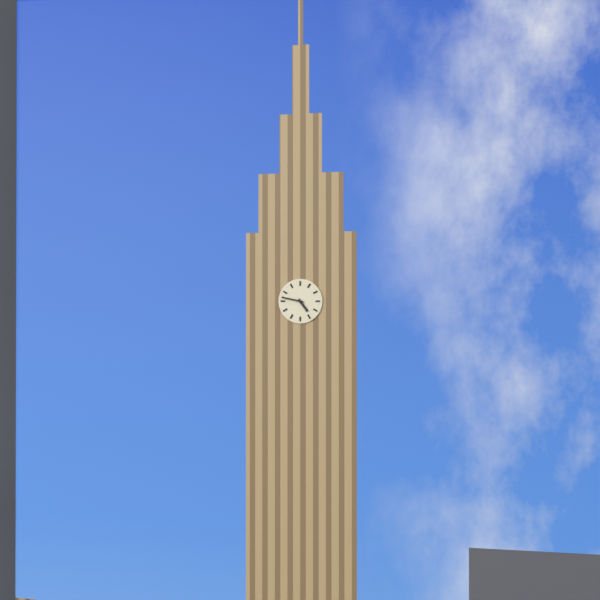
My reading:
h=4 m=47
